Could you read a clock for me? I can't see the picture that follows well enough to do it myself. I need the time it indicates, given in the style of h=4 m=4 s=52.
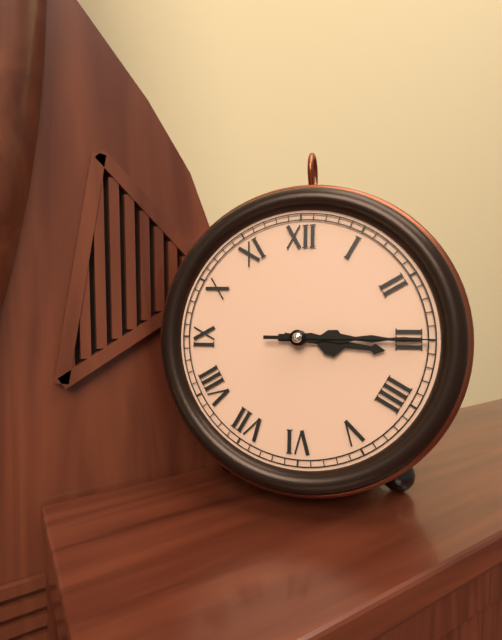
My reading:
h=3 m=15 s=15
